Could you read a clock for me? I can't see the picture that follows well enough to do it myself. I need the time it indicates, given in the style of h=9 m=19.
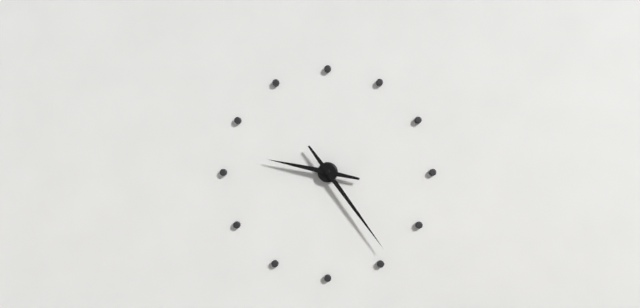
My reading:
h=9 m=24
